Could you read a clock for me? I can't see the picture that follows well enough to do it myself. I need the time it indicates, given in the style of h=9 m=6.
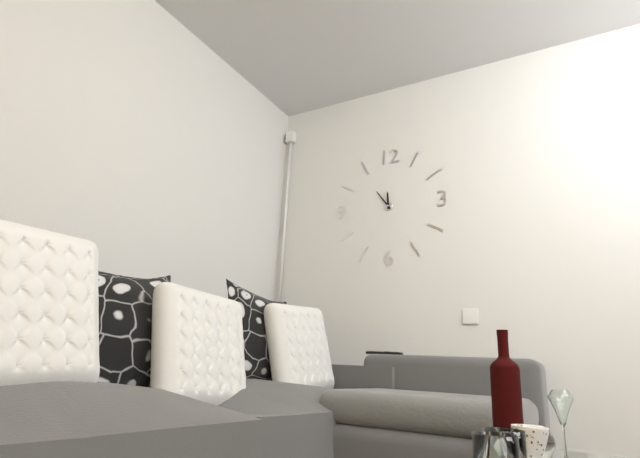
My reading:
h=11 m=54
